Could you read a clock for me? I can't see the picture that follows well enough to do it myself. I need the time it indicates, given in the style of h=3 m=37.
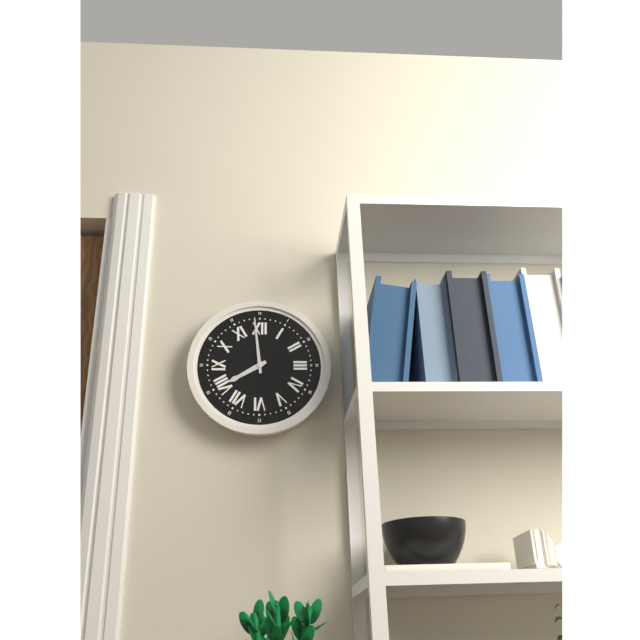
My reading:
h=7 m=59
